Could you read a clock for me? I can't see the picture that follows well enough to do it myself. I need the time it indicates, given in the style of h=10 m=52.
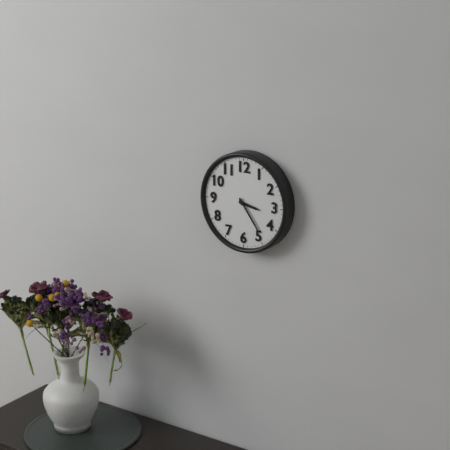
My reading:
h=3 m=24
